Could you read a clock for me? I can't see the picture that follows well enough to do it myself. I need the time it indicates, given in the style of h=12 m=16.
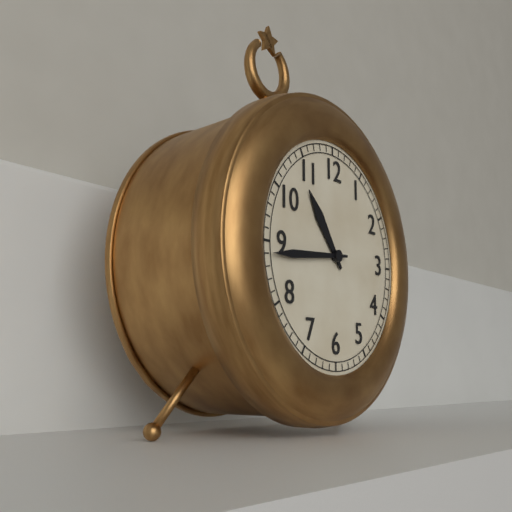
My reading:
h=10 m=44
